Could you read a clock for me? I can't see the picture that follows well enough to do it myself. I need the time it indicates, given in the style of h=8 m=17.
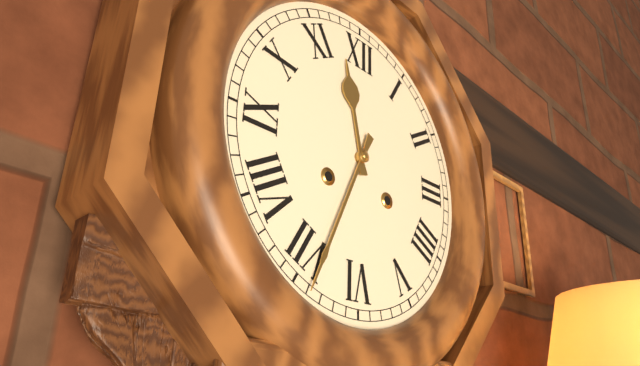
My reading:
h=11 m=34
